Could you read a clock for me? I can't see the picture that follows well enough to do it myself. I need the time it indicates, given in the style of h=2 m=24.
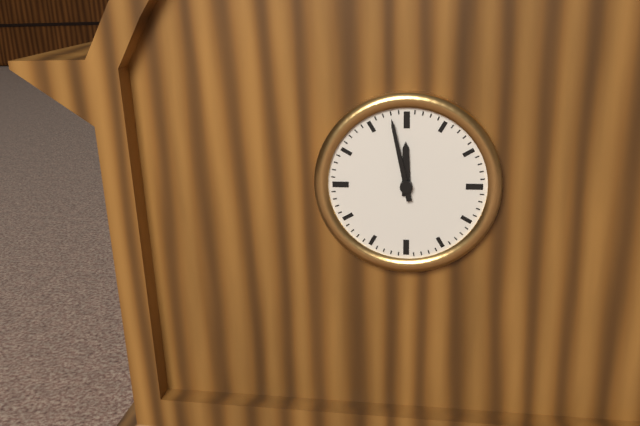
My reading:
h=11 m=58
